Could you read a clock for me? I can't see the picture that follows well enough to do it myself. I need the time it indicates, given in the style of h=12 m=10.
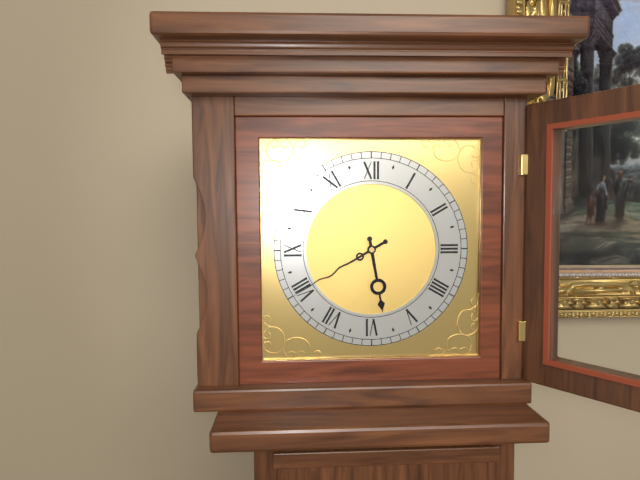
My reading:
h=5 m=40
